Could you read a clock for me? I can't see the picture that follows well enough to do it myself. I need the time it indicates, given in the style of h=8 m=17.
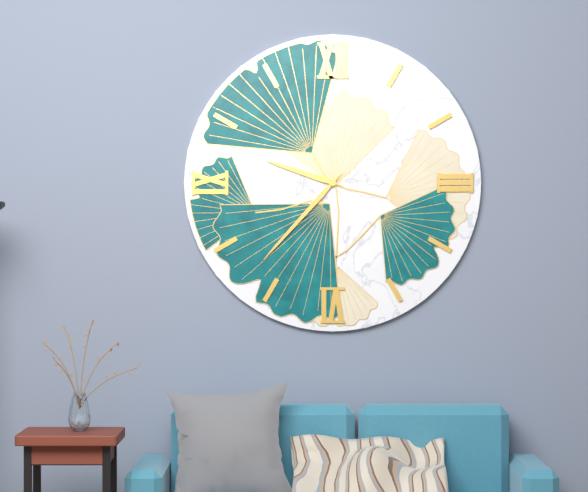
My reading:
h=9 m=37
